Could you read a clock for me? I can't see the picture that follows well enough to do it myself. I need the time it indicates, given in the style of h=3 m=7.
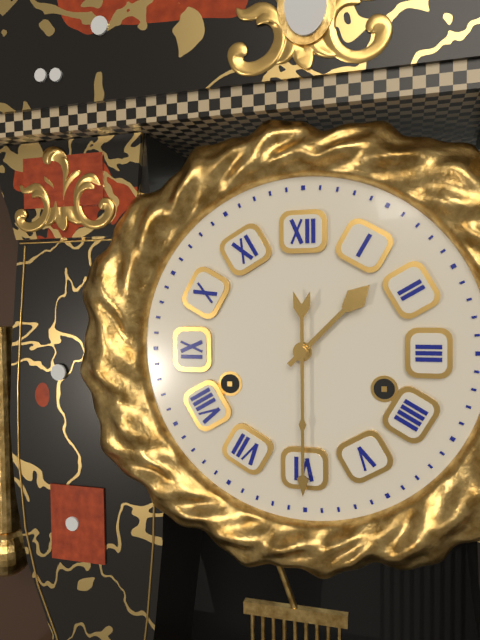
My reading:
h=1 m=30
